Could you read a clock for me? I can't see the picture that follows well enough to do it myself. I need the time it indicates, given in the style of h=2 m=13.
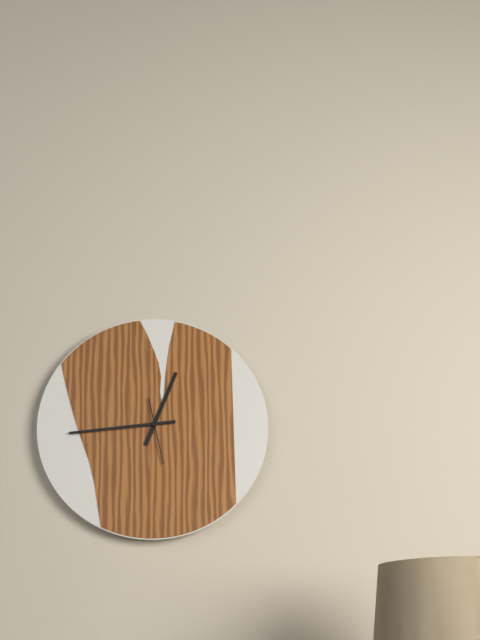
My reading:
h=12 m=44
